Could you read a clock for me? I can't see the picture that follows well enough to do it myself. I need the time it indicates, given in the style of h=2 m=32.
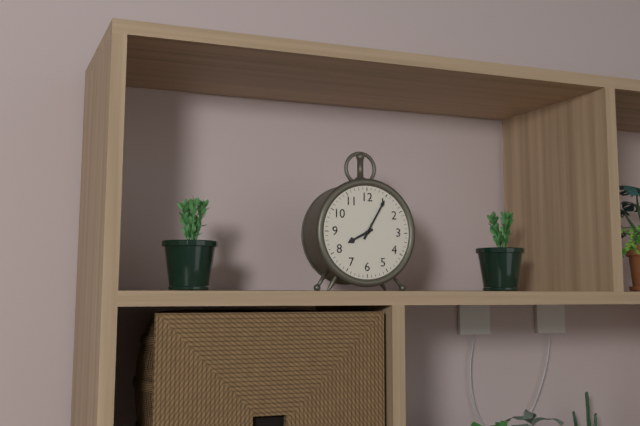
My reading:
h=8 m=5
